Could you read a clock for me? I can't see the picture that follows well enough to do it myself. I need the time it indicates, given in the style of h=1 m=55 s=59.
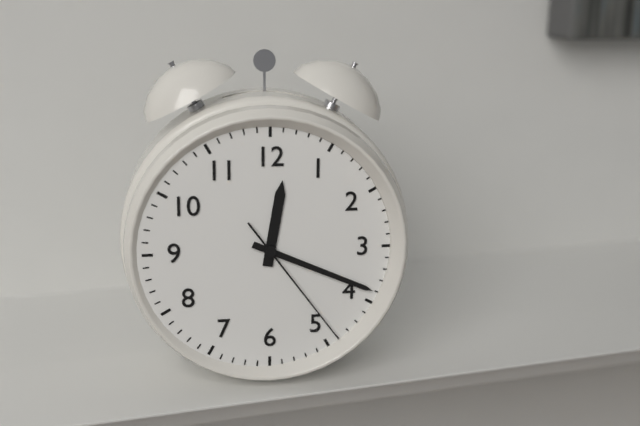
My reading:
h=12 m=19 s=24
